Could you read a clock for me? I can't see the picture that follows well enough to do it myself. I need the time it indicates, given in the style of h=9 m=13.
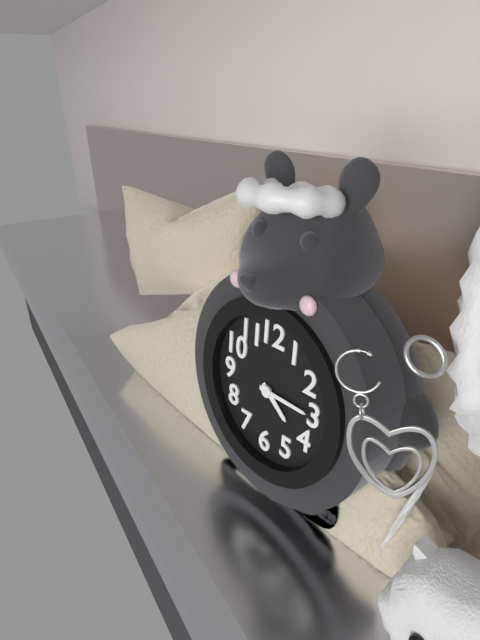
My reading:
h=4 m=15
